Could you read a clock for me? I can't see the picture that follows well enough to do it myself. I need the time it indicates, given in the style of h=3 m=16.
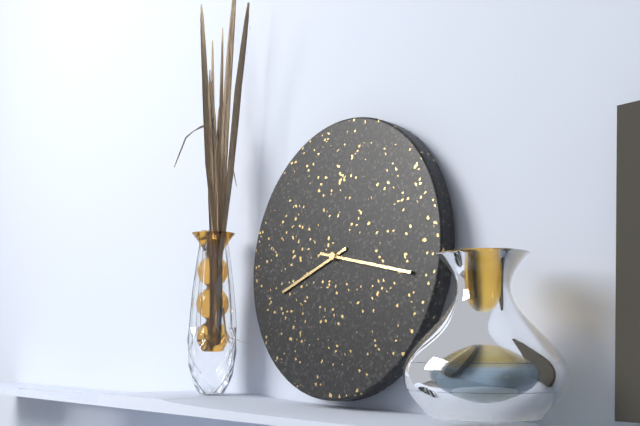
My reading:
h=8 m=17
